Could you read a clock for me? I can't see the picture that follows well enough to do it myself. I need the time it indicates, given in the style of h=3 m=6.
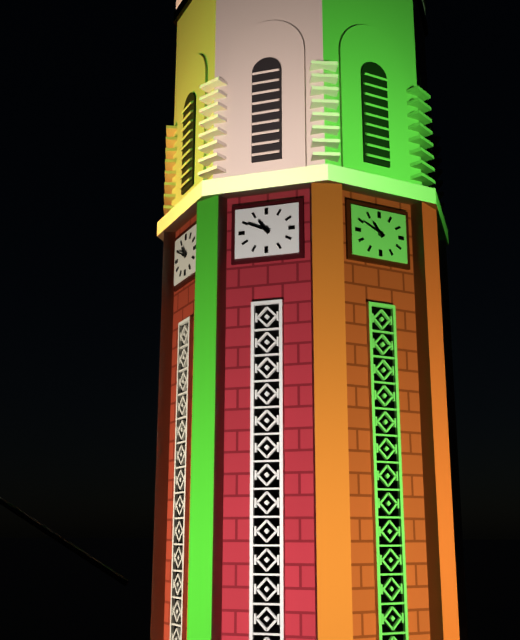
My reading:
h=10 m=49
